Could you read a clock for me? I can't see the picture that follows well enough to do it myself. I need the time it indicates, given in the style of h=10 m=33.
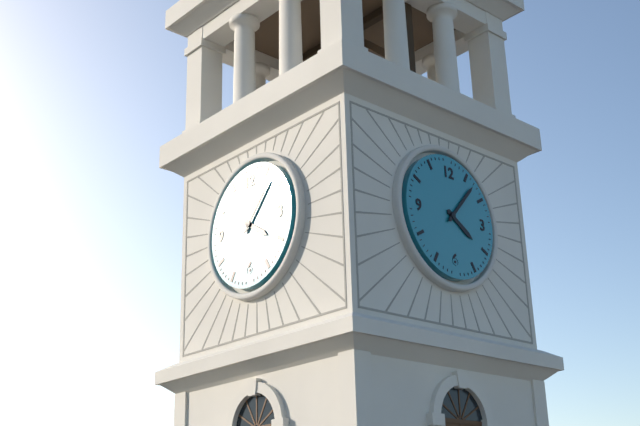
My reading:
h=4 m=7
